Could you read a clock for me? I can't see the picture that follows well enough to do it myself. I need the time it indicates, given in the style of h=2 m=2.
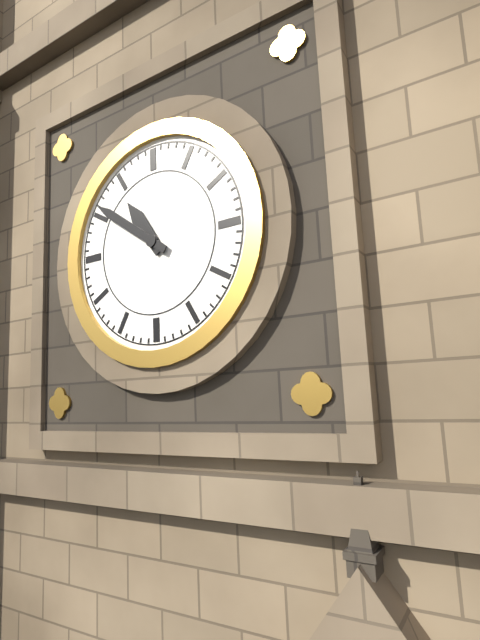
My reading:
h=10 m=51
